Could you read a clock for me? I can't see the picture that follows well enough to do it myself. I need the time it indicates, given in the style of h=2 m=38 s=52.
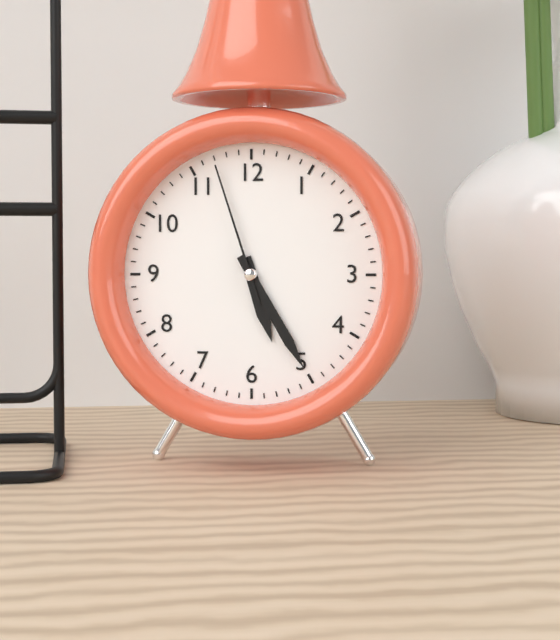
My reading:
h=5 m=25 s=57
